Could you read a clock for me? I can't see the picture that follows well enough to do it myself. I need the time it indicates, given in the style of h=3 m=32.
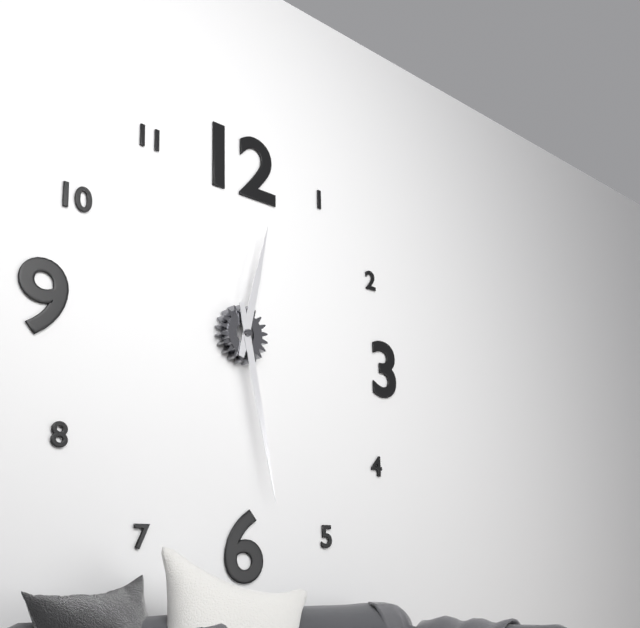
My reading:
h=12 m=28
